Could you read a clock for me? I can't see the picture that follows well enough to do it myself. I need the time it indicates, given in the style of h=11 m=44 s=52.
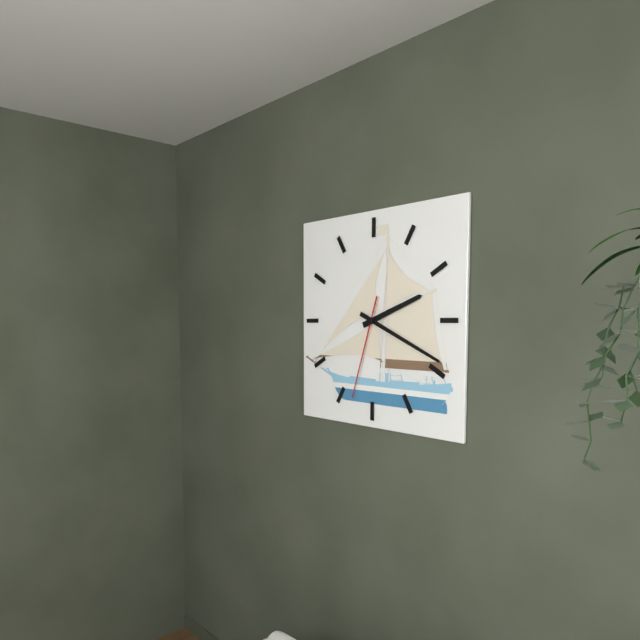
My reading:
h=2 m=19 s=33
